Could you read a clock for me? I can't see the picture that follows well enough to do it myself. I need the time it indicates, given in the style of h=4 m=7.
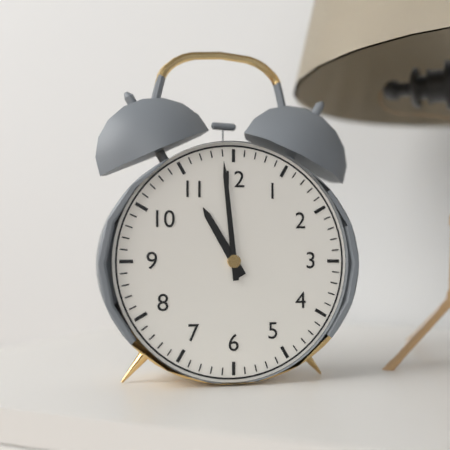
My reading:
h=10 m=59
